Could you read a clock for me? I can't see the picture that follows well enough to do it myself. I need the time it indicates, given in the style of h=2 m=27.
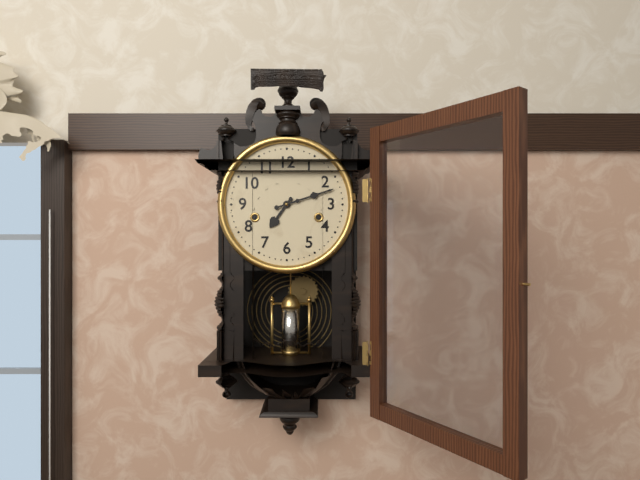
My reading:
h=7 m=12
